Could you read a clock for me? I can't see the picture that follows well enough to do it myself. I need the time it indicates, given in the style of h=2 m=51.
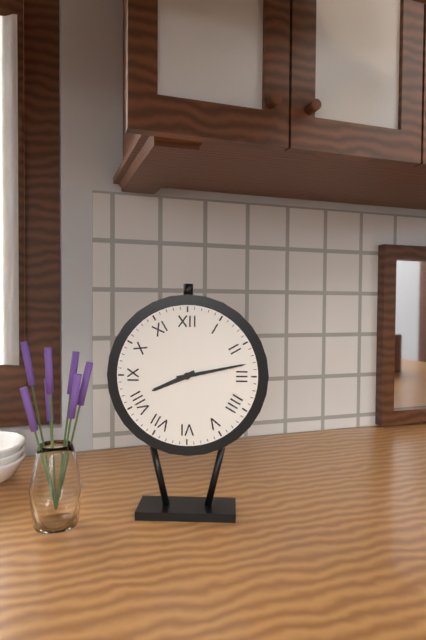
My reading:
h=8 m=13
